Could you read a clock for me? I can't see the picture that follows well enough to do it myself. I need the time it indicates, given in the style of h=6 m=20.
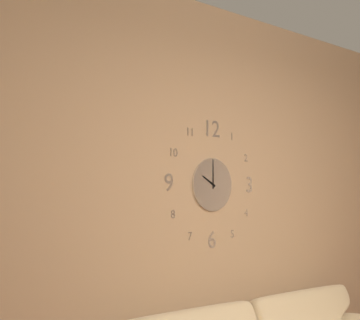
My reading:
h=10 m=0
